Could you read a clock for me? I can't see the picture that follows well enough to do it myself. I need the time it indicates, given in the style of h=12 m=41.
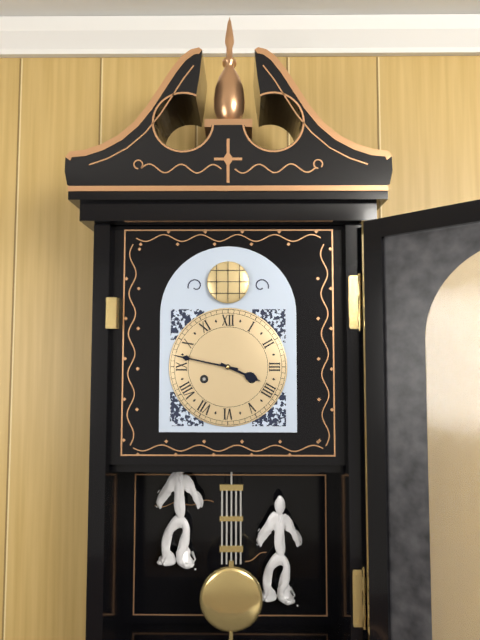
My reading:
h=3 m=47
